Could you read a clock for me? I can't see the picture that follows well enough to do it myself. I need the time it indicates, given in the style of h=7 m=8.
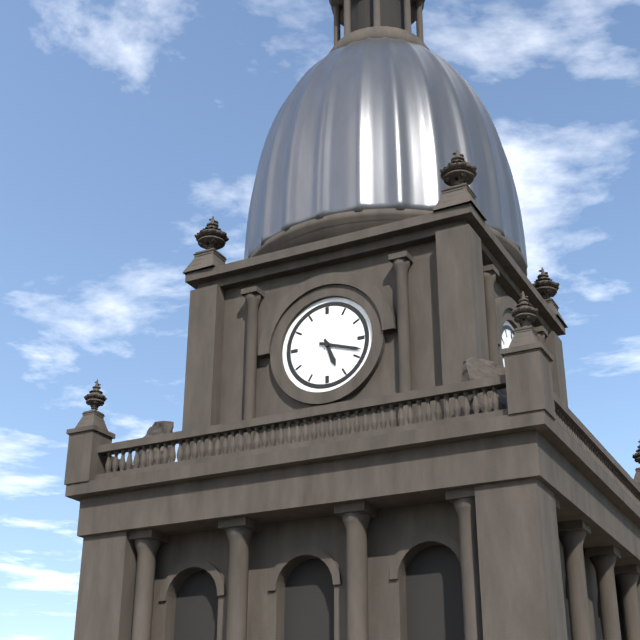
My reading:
h=5 m=18
